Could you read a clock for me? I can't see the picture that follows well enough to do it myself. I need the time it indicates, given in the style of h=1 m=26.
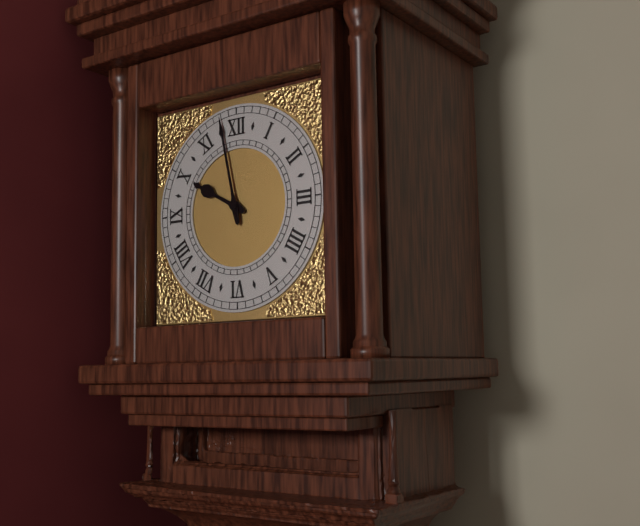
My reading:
h=9 m=58
